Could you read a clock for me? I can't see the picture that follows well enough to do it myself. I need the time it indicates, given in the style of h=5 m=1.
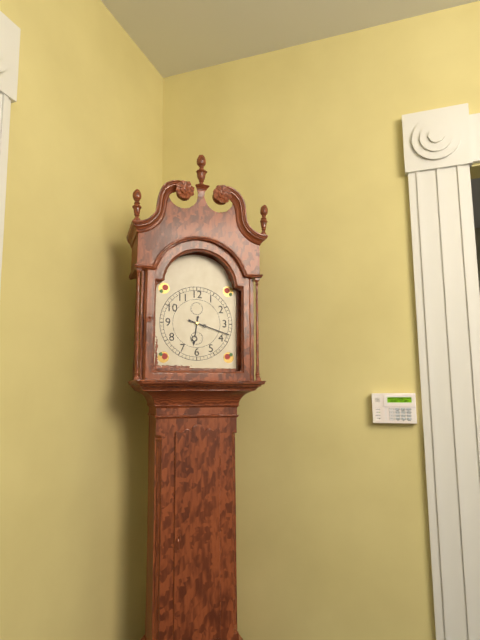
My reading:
h=6 m=18
